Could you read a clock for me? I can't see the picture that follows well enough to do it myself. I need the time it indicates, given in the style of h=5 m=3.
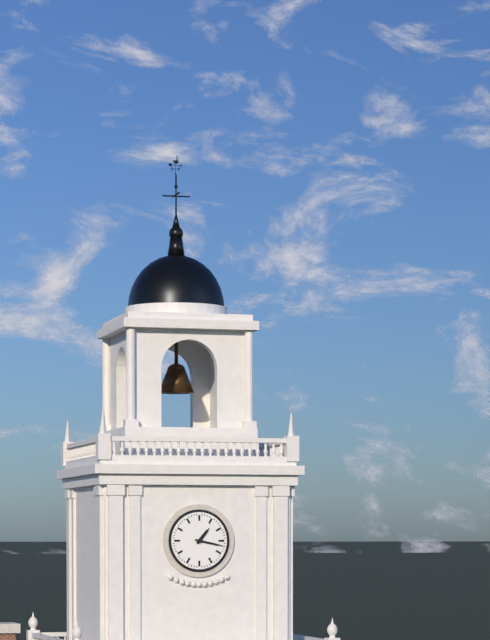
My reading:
h=1 m=17
